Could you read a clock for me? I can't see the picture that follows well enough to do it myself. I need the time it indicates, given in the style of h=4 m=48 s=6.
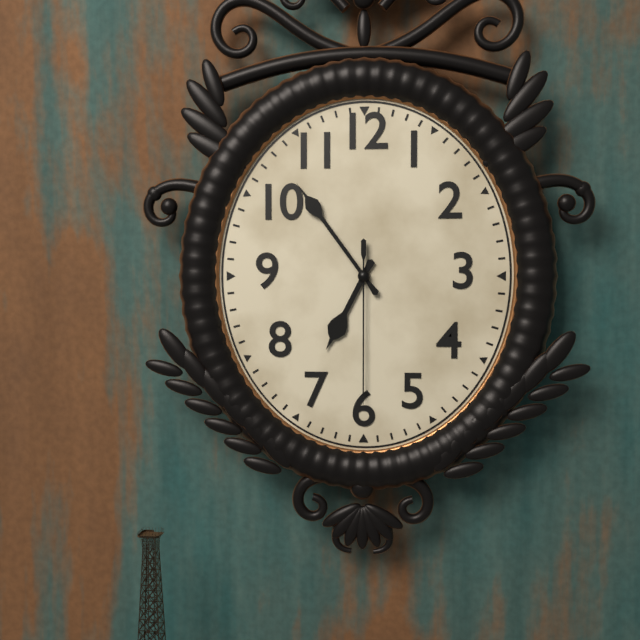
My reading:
h=6 m=54 s=30
